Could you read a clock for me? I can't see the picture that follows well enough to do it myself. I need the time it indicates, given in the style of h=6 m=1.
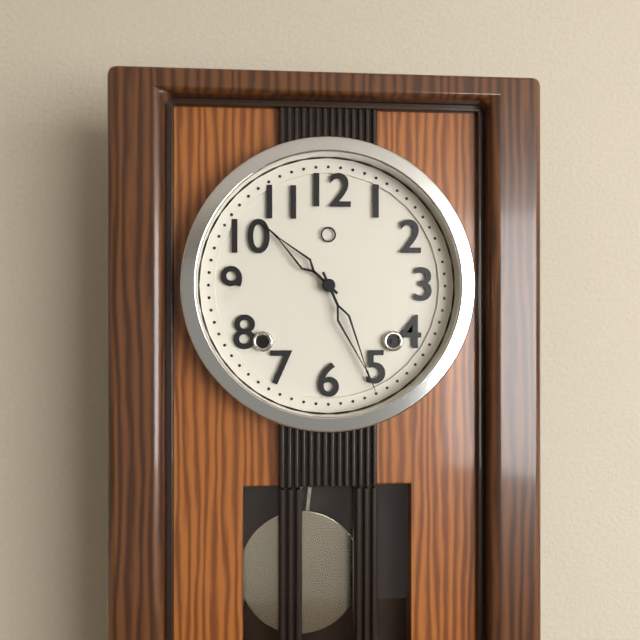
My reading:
h=10 m=26
